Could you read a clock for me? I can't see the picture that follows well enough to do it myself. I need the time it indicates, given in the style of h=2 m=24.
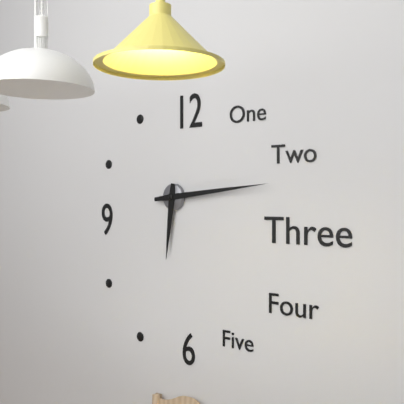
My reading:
h=6 m=14
